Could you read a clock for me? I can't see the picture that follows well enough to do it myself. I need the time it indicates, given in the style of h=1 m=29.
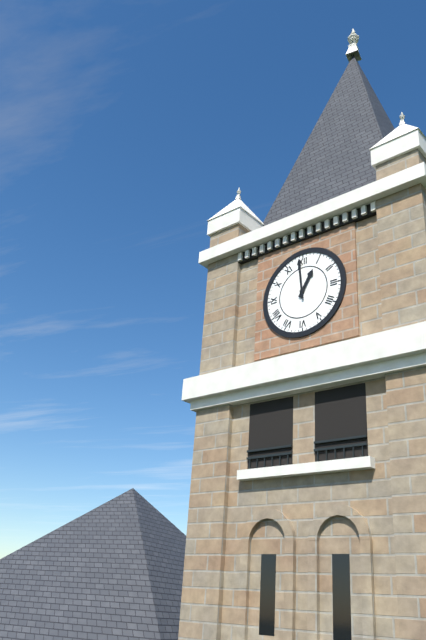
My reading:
h=12 m=59
